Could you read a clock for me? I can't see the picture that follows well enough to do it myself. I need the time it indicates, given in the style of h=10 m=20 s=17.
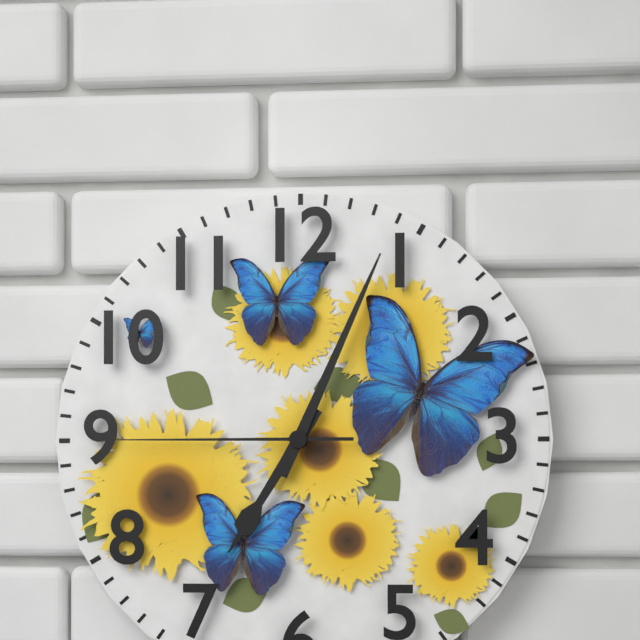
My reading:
h=7 m=4 s=45
